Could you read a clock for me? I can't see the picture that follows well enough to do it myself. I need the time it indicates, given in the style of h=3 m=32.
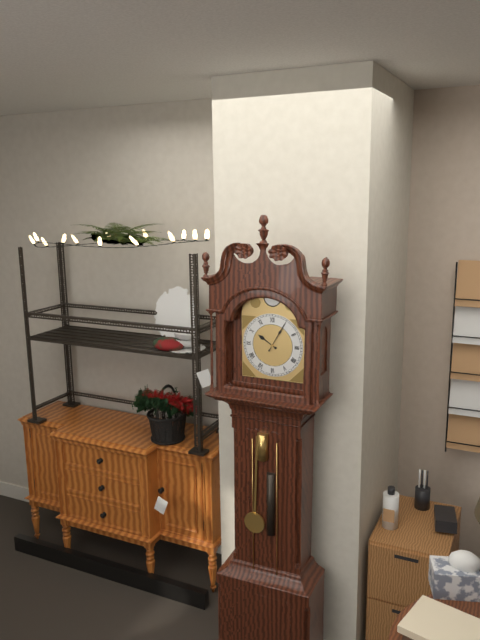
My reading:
h=10 m=5
